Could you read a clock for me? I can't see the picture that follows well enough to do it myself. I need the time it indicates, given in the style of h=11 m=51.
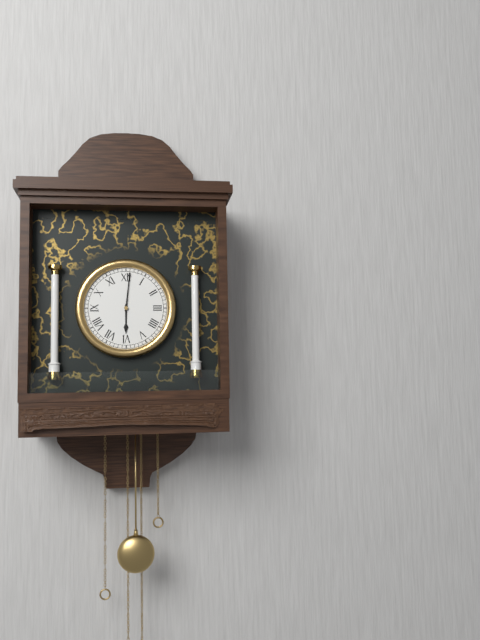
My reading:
h=6 m=1
